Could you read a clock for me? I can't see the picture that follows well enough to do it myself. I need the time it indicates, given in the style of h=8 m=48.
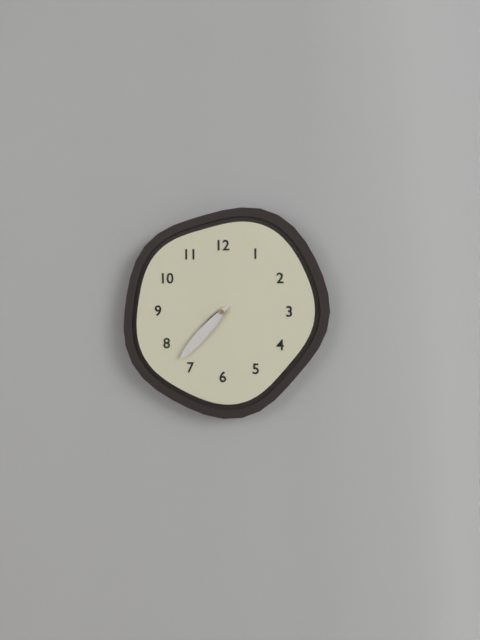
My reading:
h=7 m=37
